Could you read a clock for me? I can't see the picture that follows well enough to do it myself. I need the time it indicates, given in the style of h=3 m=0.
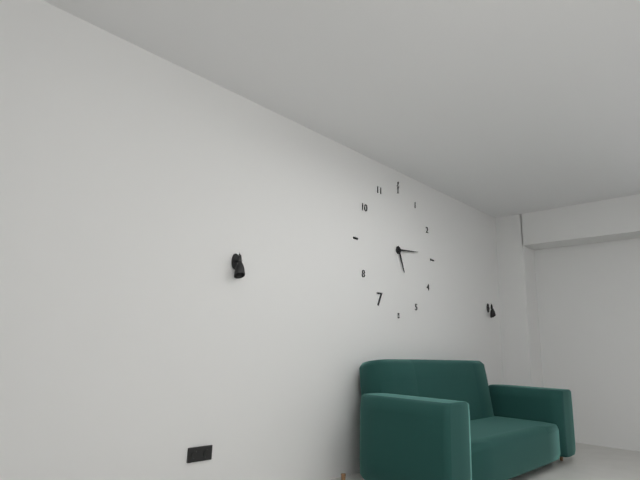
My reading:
h=5 m=14
